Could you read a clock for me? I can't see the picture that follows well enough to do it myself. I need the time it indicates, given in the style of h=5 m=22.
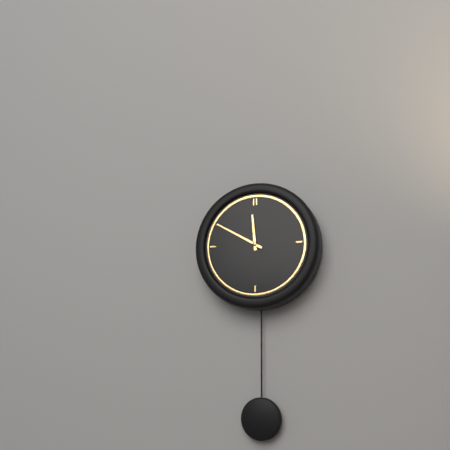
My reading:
h=11 m=50
